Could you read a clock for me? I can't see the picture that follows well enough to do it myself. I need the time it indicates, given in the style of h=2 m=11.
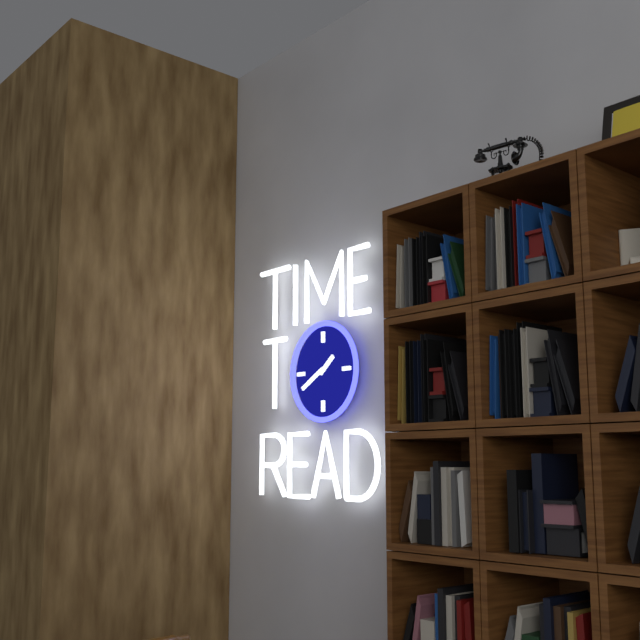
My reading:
h=1 m=40
